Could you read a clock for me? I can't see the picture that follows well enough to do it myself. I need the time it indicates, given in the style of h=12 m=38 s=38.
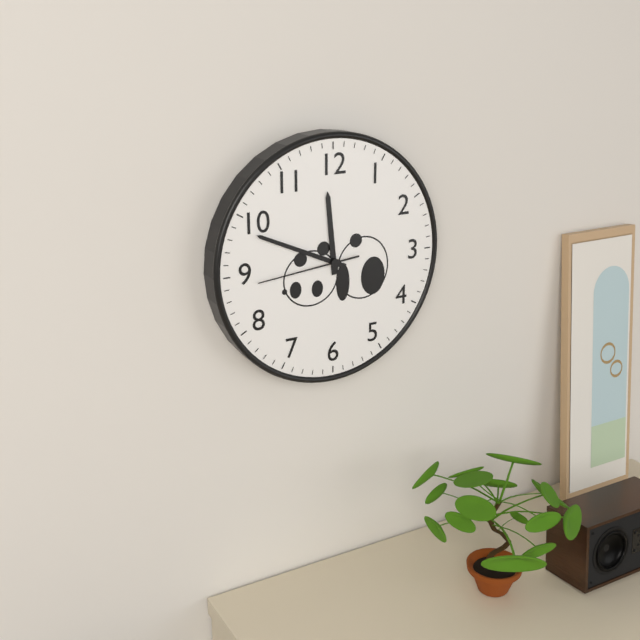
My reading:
h=11 m=49 s=44
